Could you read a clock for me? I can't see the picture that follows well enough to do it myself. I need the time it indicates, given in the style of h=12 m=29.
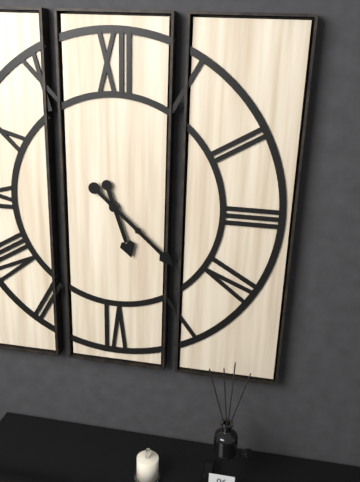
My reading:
h=5 m=22
